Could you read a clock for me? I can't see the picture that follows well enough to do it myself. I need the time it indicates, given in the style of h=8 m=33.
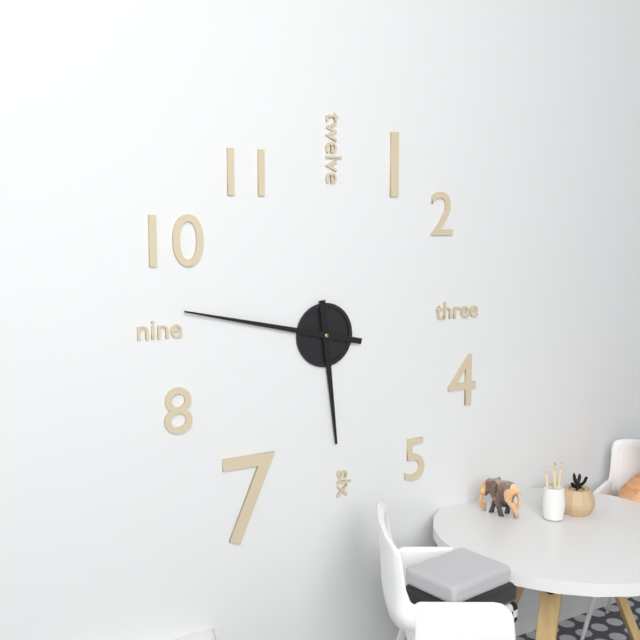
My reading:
h=5 m=47
